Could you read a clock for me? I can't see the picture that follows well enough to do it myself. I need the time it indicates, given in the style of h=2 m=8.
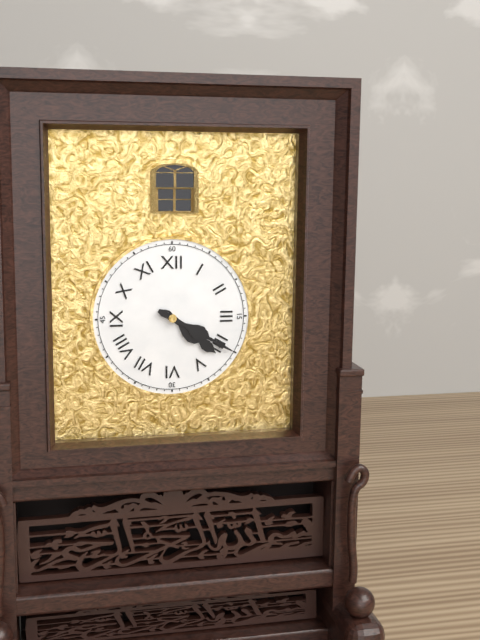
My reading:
h=4 m=20
